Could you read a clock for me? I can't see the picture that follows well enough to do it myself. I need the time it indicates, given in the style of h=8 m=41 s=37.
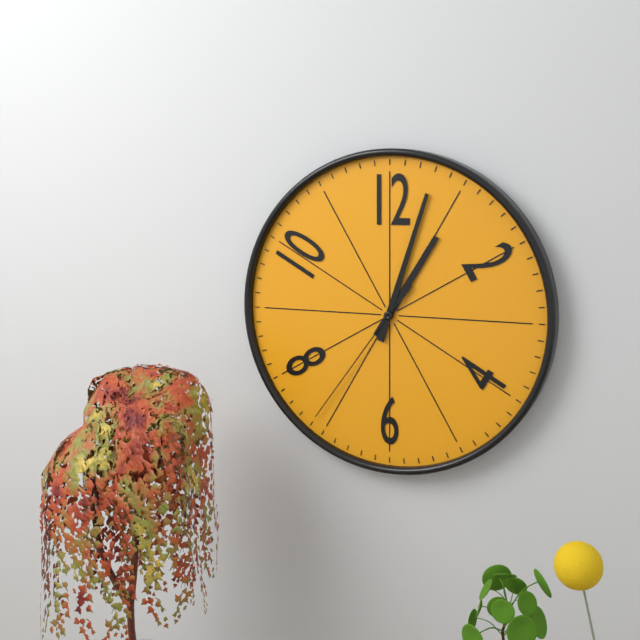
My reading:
h=1 m=3 s=36
